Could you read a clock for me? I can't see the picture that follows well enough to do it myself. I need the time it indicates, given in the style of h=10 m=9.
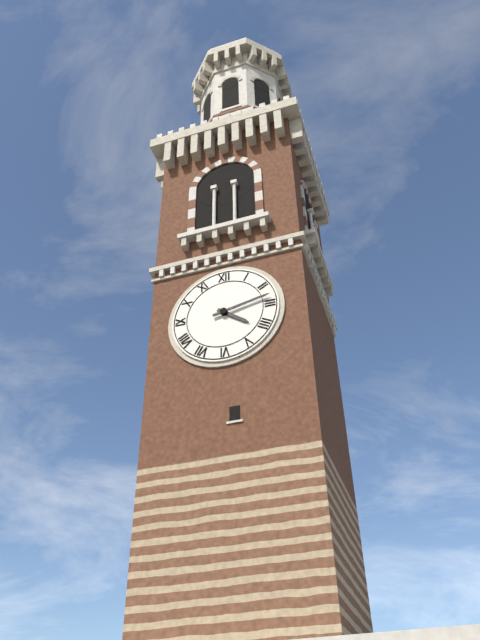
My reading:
h=4 m=13
